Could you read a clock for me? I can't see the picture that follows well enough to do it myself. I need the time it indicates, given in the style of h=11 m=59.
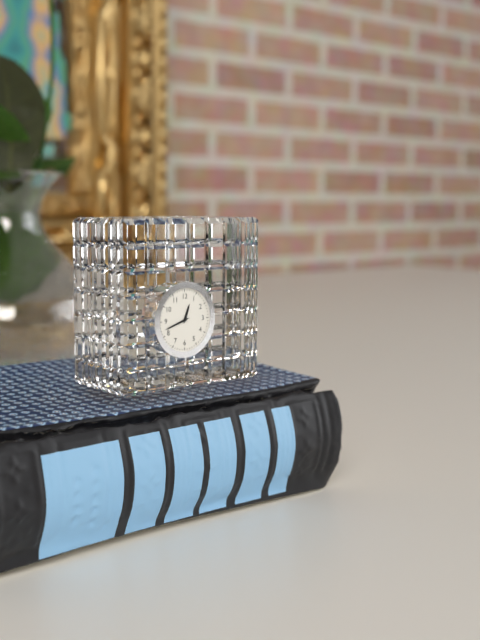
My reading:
h=12 m=42
